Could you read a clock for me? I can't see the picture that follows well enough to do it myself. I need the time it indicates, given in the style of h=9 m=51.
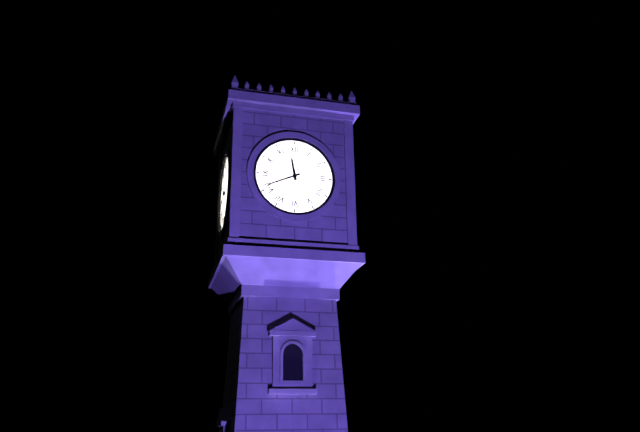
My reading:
h=11 m=41
